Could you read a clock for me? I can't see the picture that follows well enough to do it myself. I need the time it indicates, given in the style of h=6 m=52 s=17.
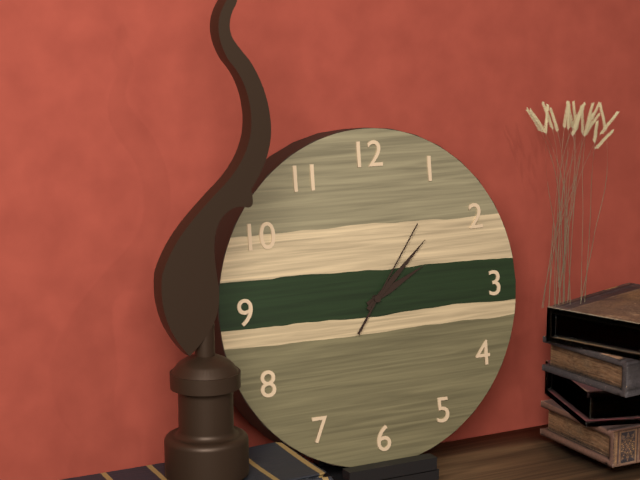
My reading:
h=2 m=8 s=6
